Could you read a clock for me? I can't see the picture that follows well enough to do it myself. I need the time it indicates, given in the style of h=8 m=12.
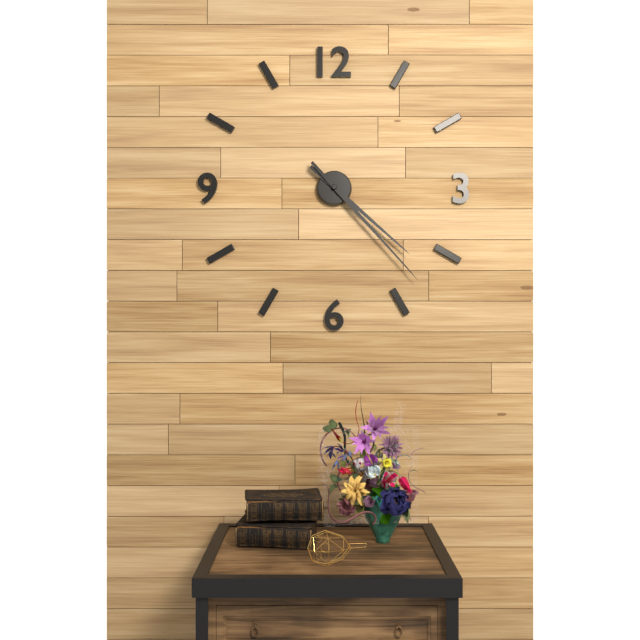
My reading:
h=4 m=23
